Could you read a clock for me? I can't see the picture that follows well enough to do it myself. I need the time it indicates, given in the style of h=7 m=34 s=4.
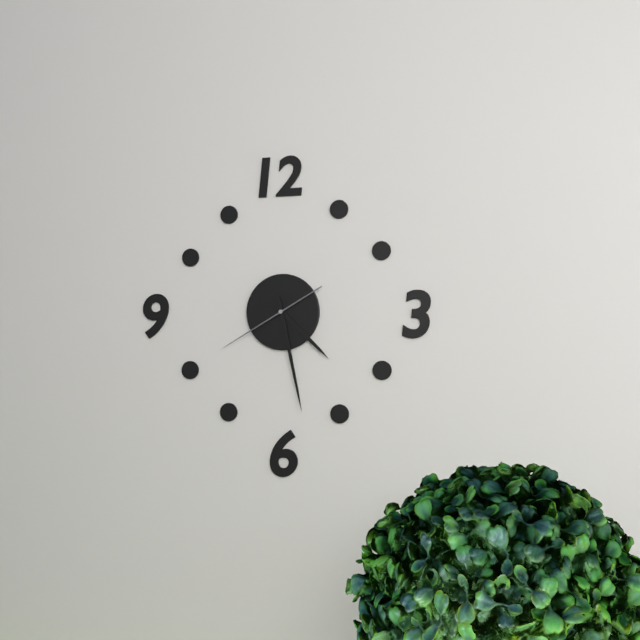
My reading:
h=4 m=28 s=40
